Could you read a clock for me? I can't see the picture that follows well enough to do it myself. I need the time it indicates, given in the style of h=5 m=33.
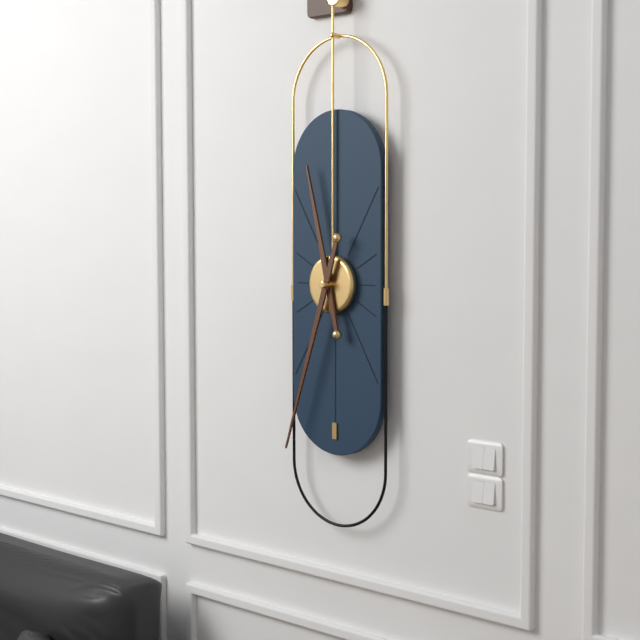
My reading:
h=11 m=33
